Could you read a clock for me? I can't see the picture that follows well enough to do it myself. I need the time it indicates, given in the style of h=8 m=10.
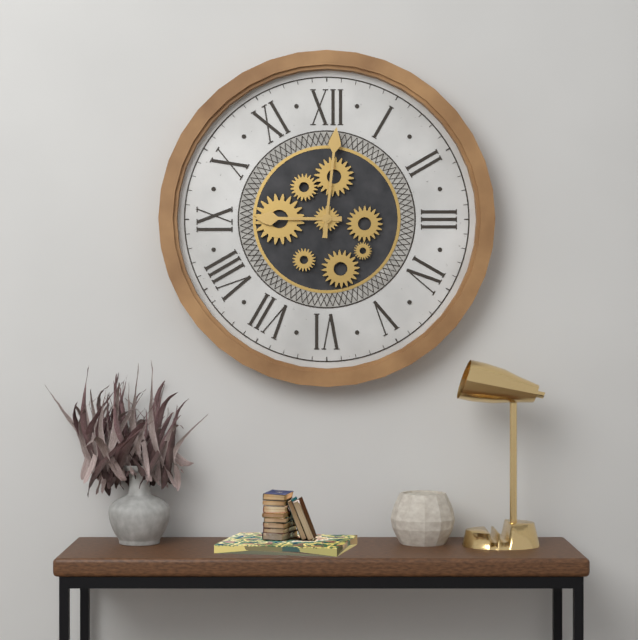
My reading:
h=9 m=1
